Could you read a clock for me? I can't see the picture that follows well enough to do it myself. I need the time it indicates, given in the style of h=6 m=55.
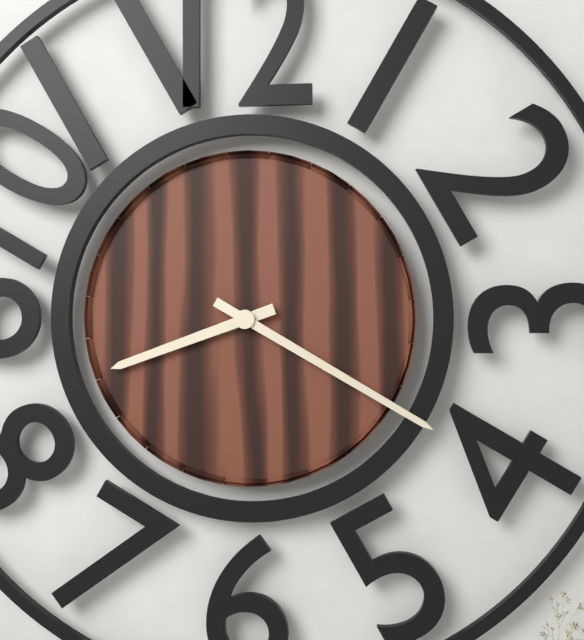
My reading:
h=8 m=20
